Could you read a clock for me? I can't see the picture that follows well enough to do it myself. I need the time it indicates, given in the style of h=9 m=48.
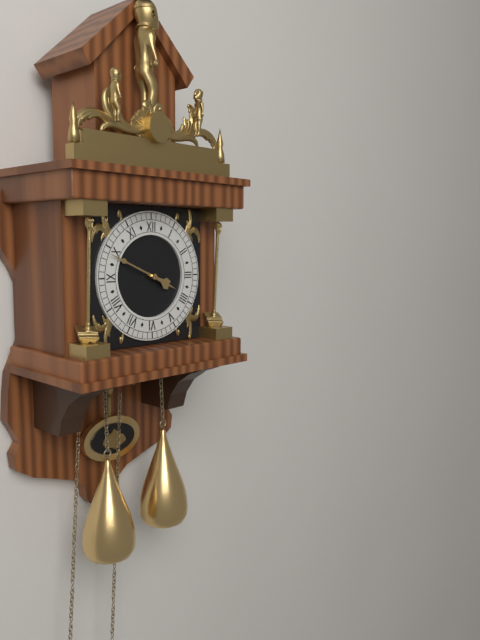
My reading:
h=3 m=49
